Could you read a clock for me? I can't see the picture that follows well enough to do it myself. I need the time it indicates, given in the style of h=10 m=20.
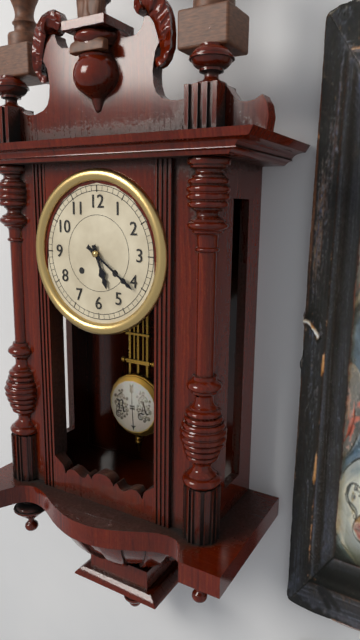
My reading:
h=5 m=21
